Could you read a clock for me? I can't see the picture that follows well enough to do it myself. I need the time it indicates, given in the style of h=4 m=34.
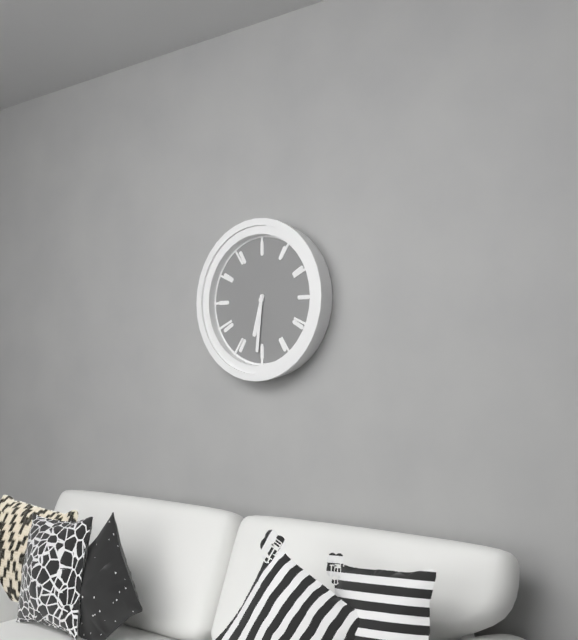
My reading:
h=6 m=31
